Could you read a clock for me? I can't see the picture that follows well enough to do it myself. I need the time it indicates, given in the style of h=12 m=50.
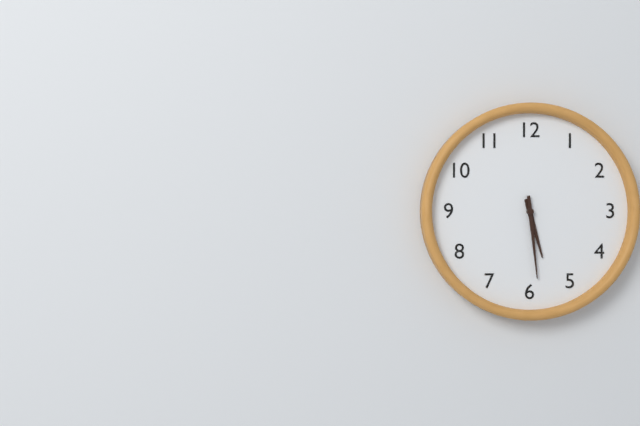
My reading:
h=5 m=29
